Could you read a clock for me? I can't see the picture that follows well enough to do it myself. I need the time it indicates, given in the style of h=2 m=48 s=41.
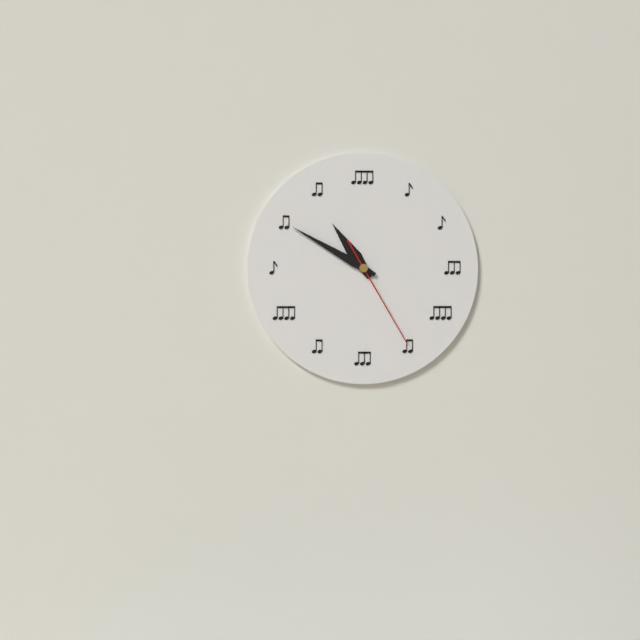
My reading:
h=10 m=50 s=25
